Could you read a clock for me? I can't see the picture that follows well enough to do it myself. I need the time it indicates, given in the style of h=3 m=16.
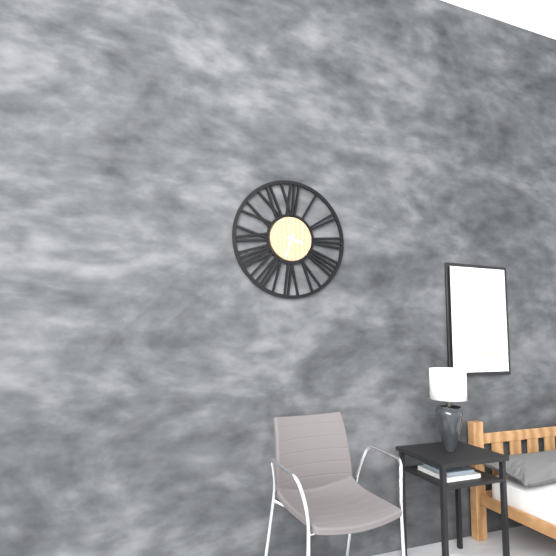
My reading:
h=3 m=33
